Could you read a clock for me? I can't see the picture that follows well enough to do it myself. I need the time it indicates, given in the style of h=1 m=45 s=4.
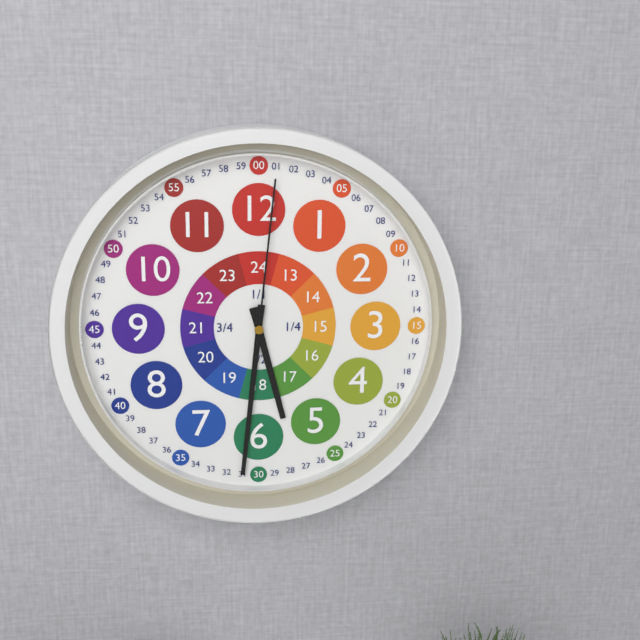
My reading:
h=5 m=31 s=1
